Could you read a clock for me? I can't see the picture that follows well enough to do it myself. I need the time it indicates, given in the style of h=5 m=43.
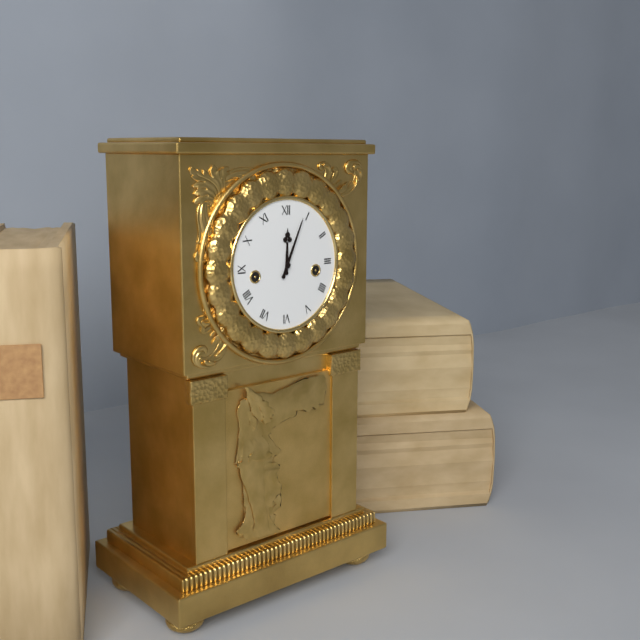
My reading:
h=12 m=4
